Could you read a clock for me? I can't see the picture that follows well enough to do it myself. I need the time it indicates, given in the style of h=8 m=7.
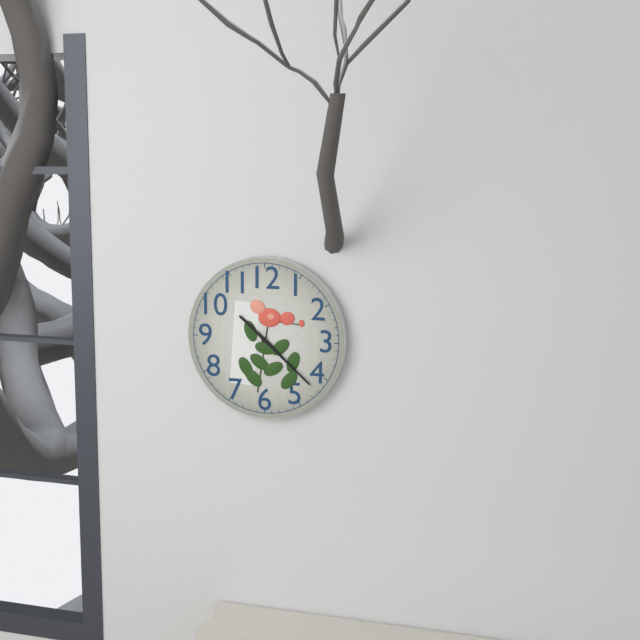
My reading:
h=10 m=22
